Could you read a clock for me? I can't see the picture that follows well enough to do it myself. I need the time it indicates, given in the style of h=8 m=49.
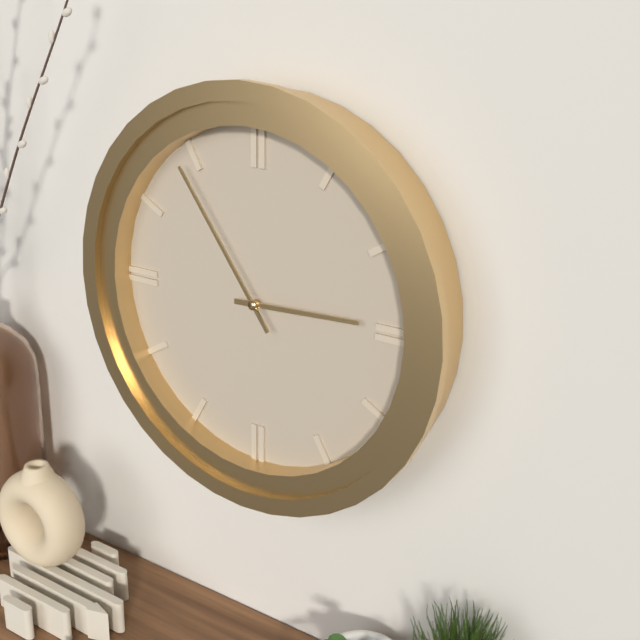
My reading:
h=2 m=54
